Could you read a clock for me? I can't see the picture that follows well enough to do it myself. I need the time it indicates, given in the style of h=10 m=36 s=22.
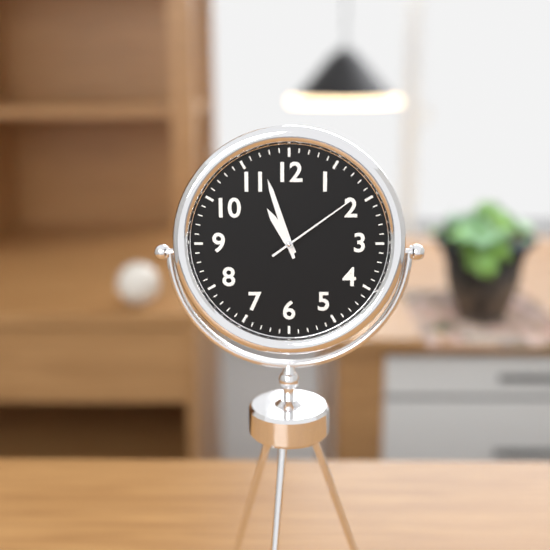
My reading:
h=10 m=57 s=9
